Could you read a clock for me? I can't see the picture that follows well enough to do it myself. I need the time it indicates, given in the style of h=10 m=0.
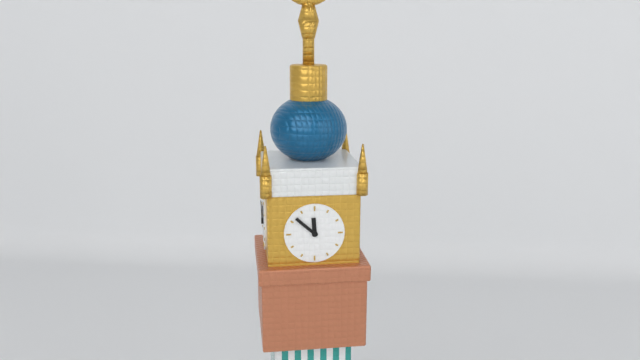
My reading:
h=11 m=52
